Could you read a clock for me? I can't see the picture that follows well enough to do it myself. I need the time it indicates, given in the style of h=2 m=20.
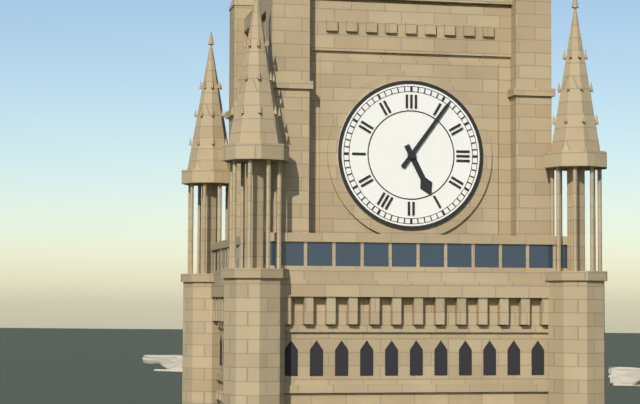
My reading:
h=5 m=6
